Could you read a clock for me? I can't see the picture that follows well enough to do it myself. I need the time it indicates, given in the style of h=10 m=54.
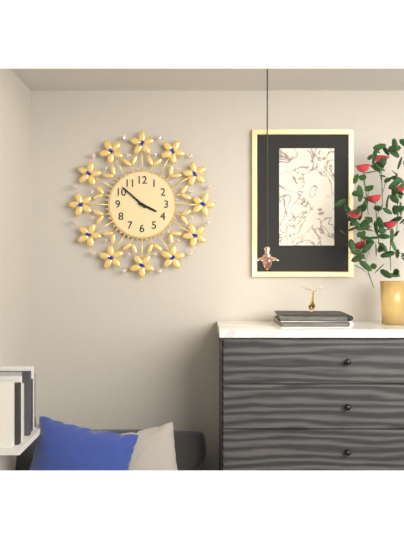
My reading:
h=3 m=52
